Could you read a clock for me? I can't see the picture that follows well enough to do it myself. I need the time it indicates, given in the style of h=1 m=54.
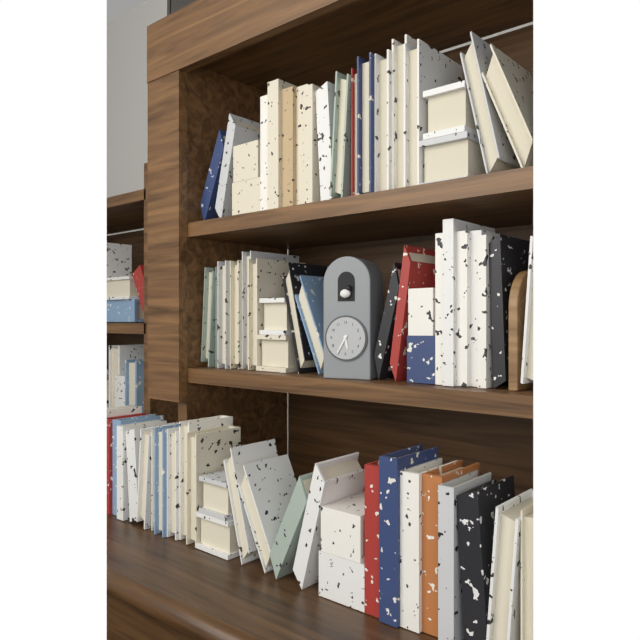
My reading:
h=5 m=35
